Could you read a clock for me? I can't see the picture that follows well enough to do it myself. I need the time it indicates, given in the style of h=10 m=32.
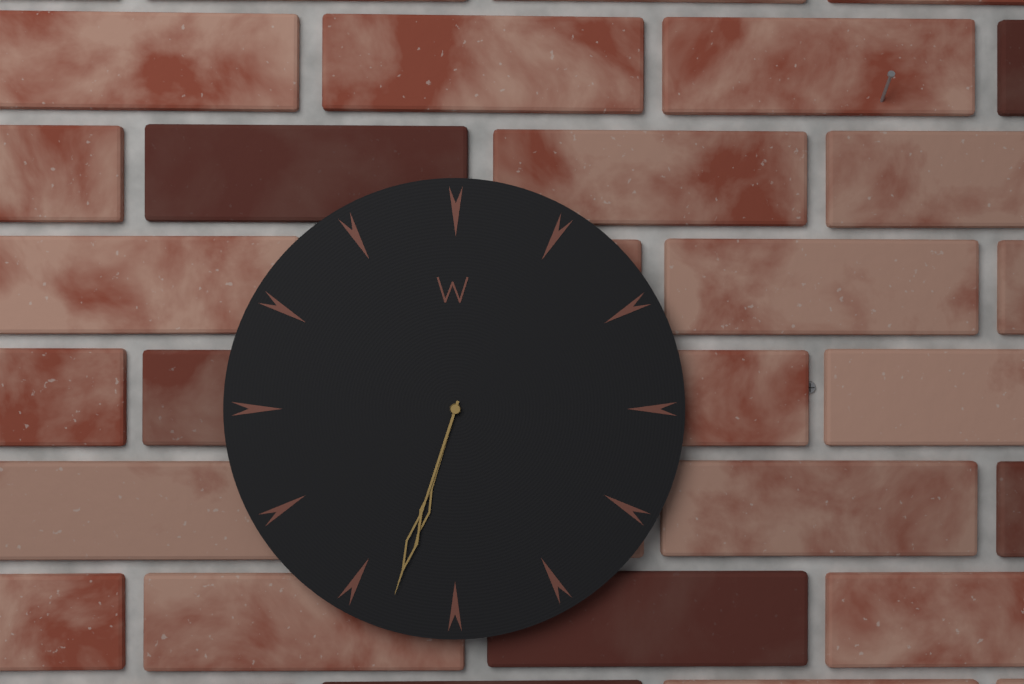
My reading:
h=6 m=33
